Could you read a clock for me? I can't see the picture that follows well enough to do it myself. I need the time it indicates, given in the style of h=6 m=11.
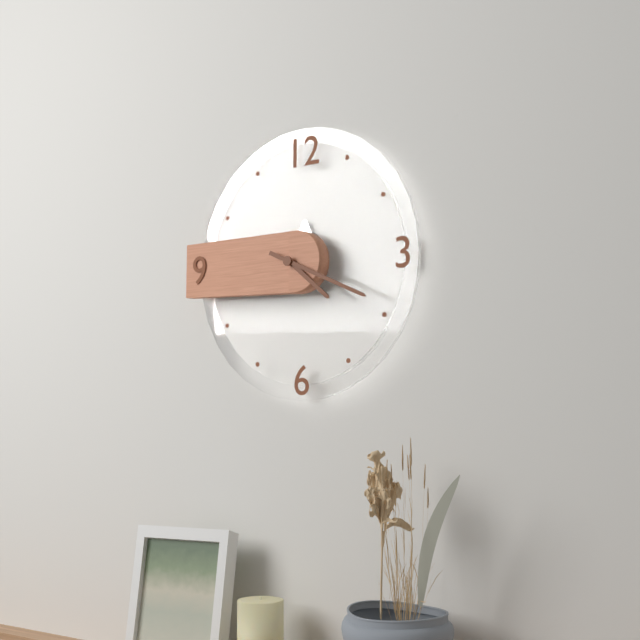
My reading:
h=4 m=19
